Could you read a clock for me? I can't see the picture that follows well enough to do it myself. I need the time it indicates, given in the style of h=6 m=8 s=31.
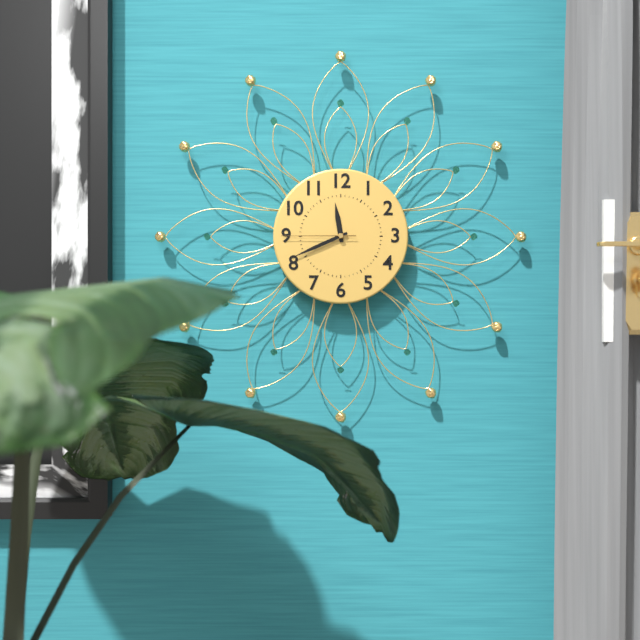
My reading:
h=11 m=41 s=45
